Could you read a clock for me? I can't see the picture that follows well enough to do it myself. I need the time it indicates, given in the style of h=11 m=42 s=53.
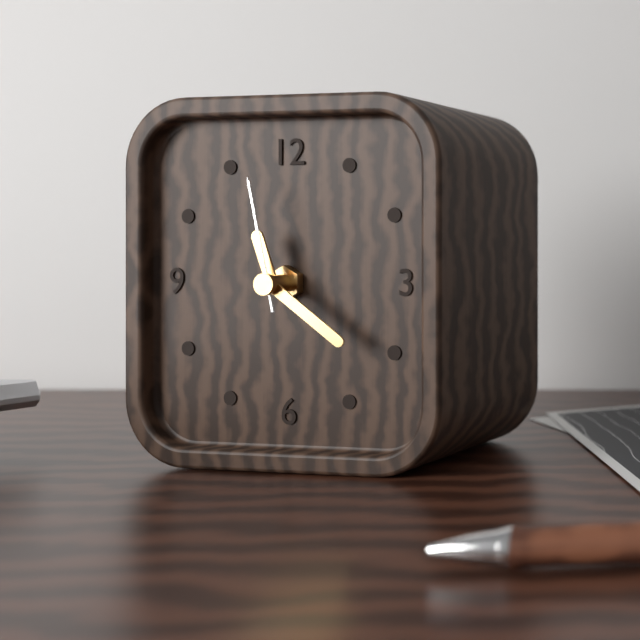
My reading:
h=11 m=21 s=58
